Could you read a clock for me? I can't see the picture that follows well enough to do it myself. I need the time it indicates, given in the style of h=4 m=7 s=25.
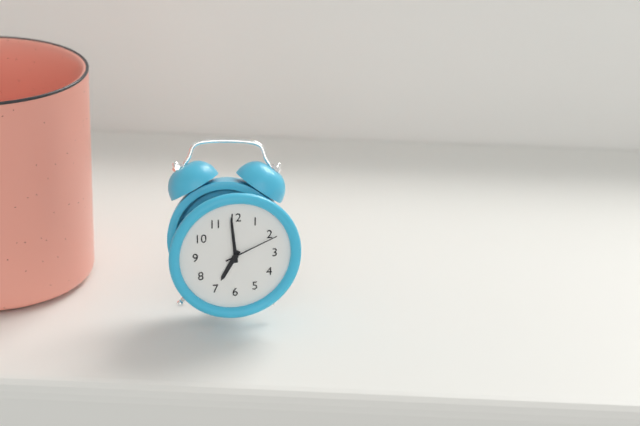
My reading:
h=6 m=59 s=11
